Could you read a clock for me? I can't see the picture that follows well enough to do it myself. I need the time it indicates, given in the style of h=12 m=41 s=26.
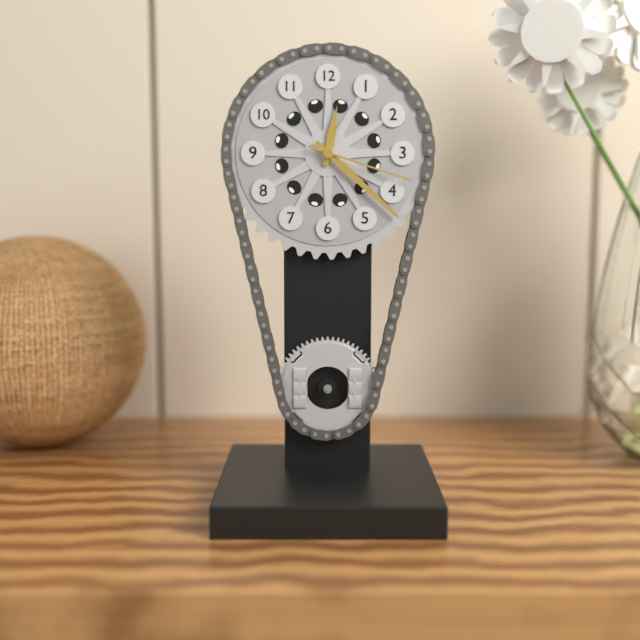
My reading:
h=12 m=22 s=18
